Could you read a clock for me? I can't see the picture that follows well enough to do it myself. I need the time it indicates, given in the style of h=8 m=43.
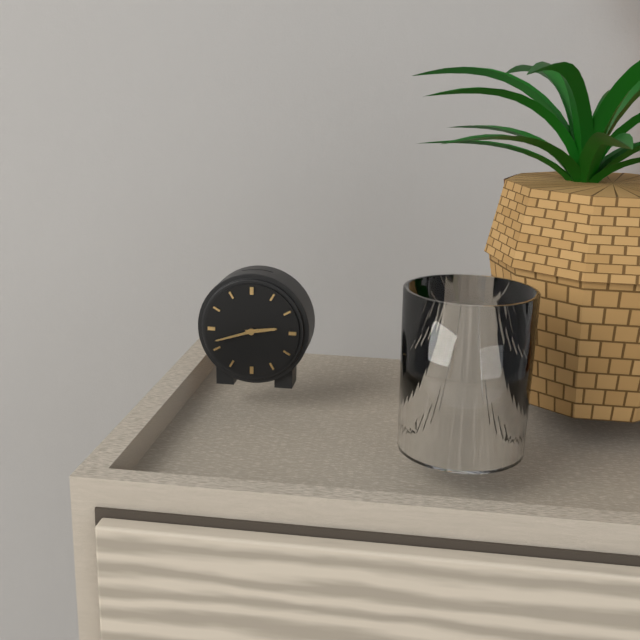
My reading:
h=2 m=42
